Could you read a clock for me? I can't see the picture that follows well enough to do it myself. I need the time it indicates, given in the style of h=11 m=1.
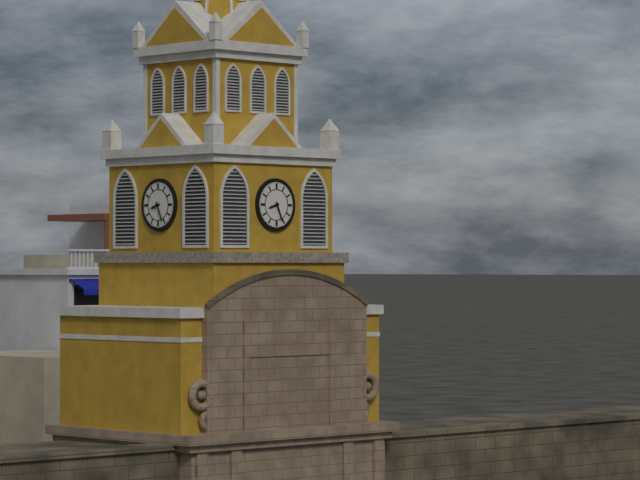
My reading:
h=8 m=26
